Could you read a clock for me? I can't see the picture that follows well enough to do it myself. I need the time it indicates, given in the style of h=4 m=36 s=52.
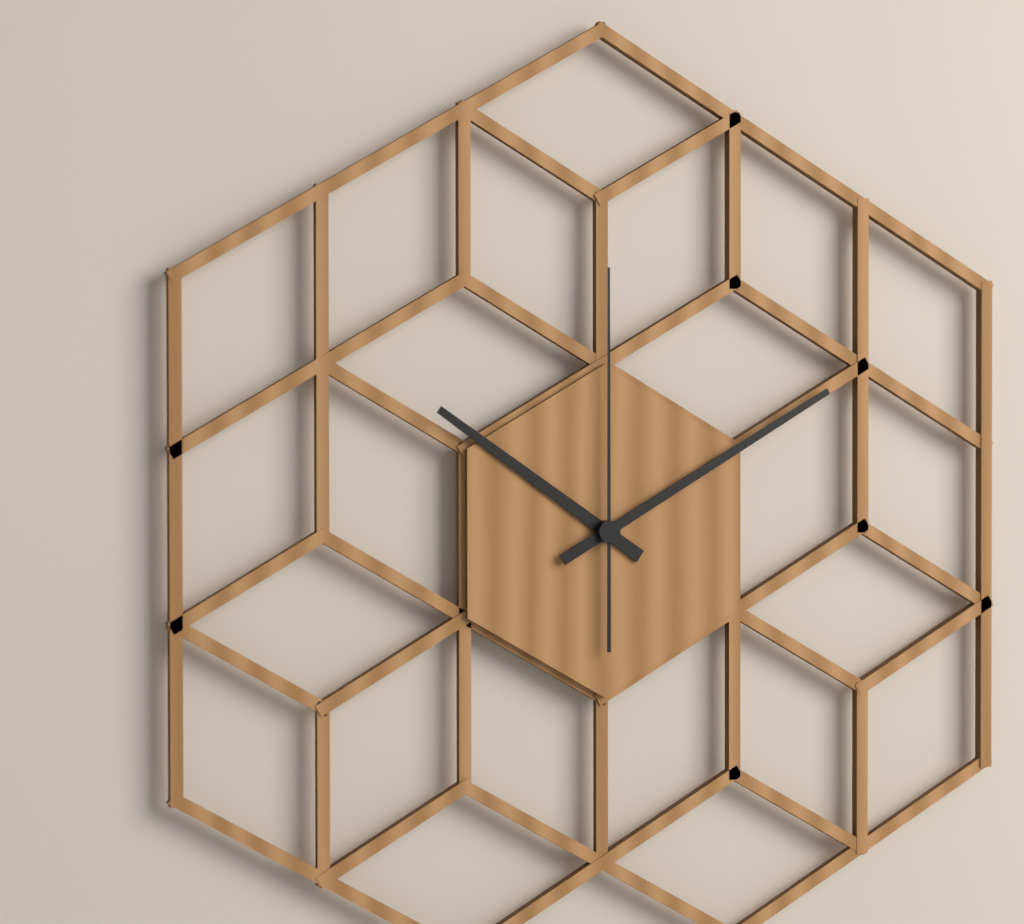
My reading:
h=10 m=10 s=0
